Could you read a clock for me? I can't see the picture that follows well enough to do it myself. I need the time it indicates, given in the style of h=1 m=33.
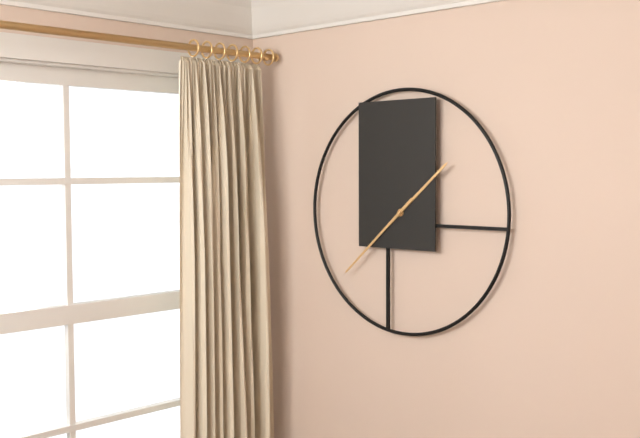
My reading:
h=1 m=38
